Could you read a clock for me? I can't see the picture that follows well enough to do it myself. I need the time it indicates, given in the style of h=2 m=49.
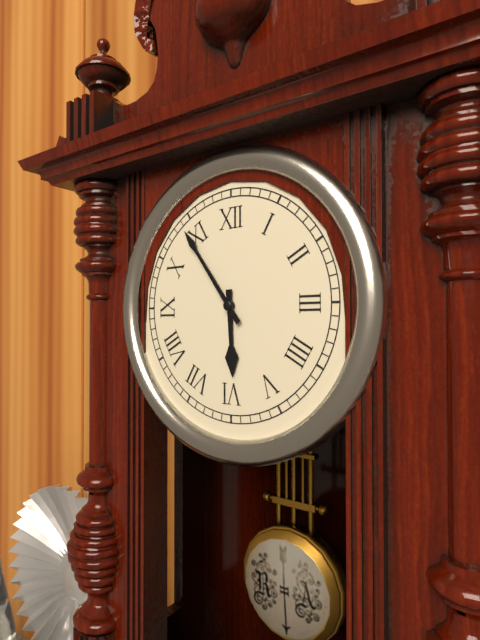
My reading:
h=5 m=54
